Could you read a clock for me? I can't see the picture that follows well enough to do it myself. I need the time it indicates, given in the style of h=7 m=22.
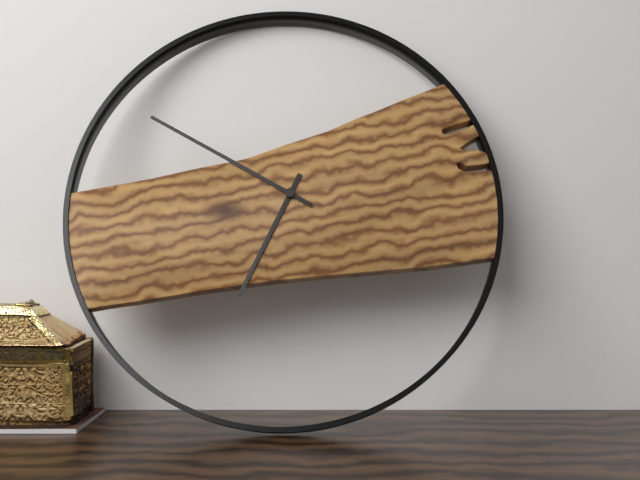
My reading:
h=6 m=50
